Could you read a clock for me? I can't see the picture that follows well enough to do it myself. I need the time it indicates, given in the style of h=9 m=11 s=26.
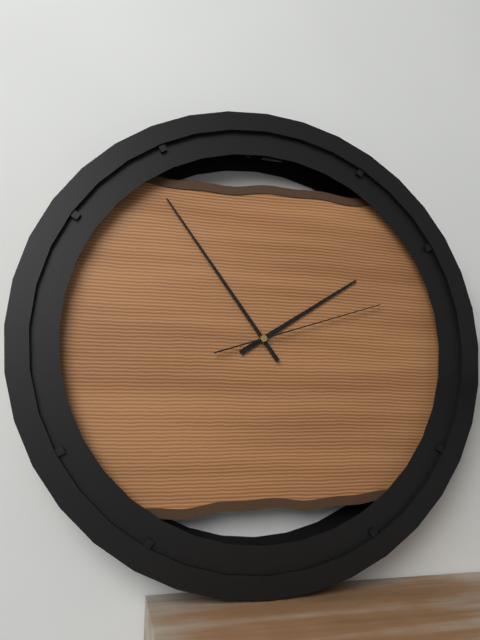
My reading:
h=1 m=54 s=12
